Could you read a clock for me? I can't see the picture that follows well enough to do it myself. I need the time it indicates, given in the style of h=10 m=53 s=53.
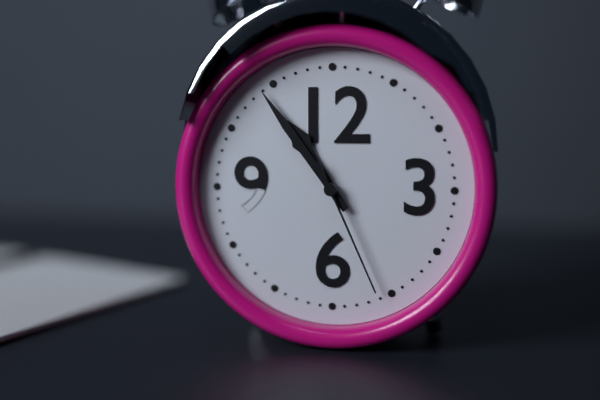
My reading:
h=10 m=54 s=26
